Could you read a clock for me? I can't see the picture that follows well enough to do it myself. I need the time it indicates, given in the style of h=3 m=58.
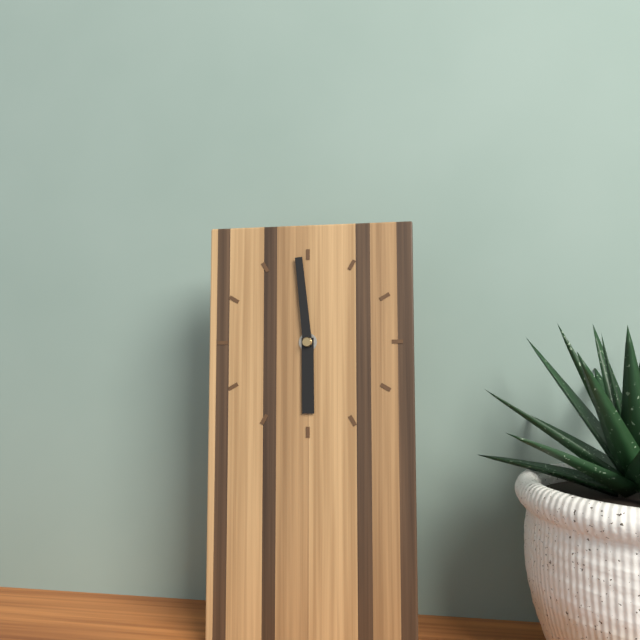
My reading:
h=5 m=59
